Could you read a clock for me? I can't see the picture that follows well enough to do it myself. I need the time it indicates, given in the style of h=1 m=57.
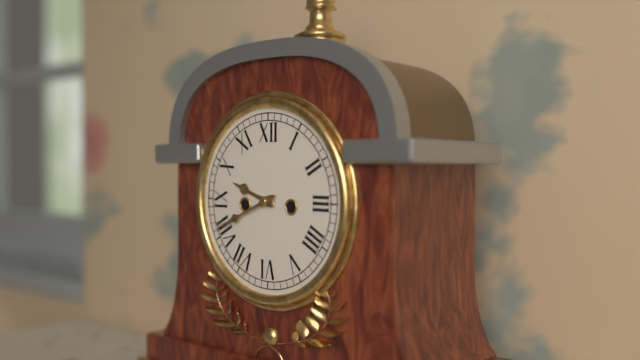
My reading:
h=9 m=41
